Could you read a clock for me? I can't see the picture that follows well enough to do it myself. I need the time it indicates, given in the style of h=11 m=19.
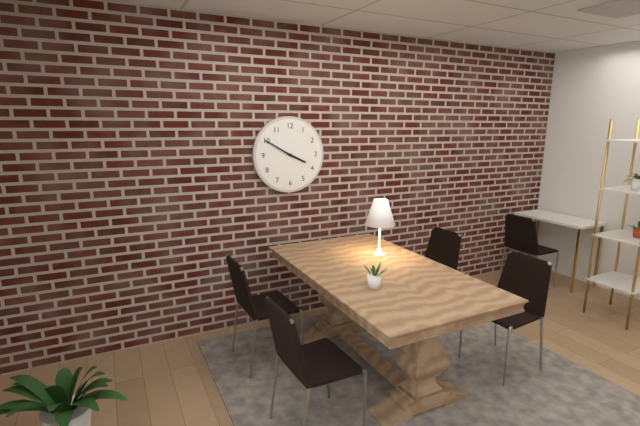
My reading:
h=3 m=50
